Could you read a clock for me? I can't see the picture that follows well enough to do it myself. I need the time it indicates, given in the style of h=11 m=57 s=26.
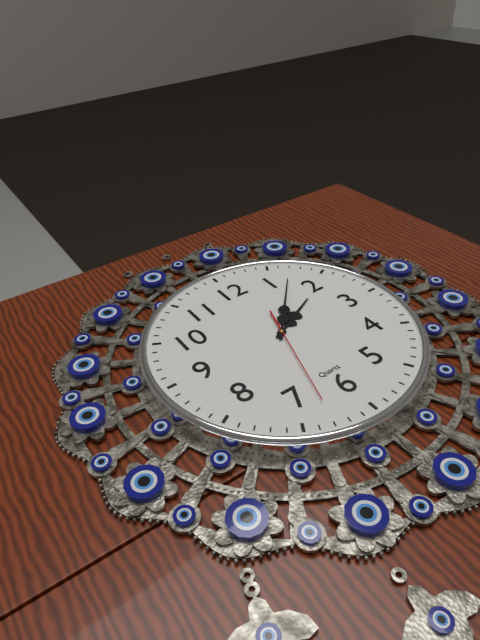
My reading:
h=2 m=7 s=33
